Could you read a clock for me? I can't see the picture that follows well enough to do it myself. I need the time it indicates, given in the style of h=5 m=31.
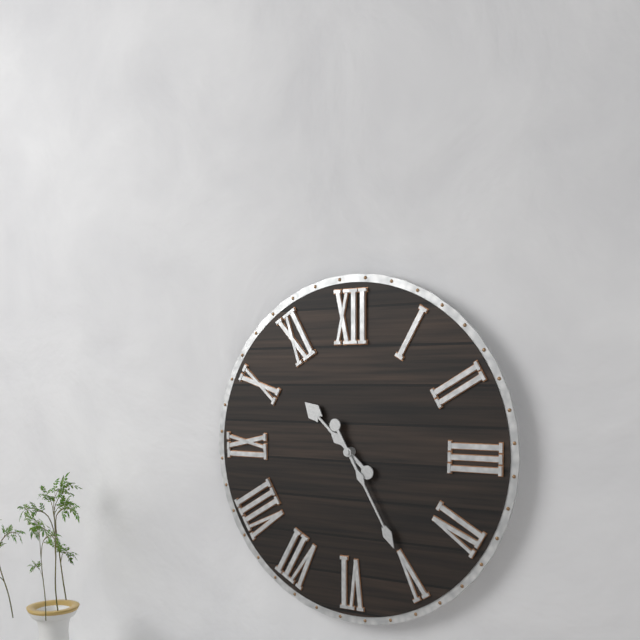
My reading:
h=10 m=25
